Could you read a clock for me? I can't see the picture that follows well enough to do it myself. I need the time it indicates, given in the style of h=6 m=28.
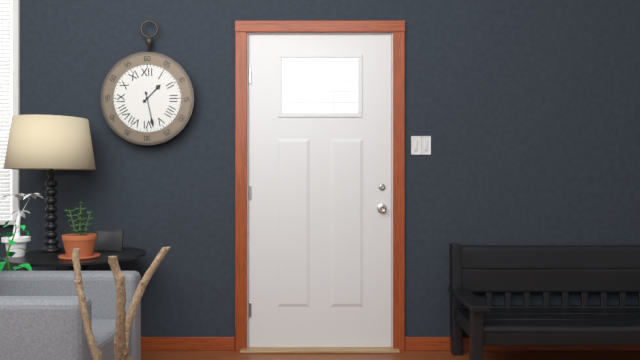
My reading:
h=1 m=28
